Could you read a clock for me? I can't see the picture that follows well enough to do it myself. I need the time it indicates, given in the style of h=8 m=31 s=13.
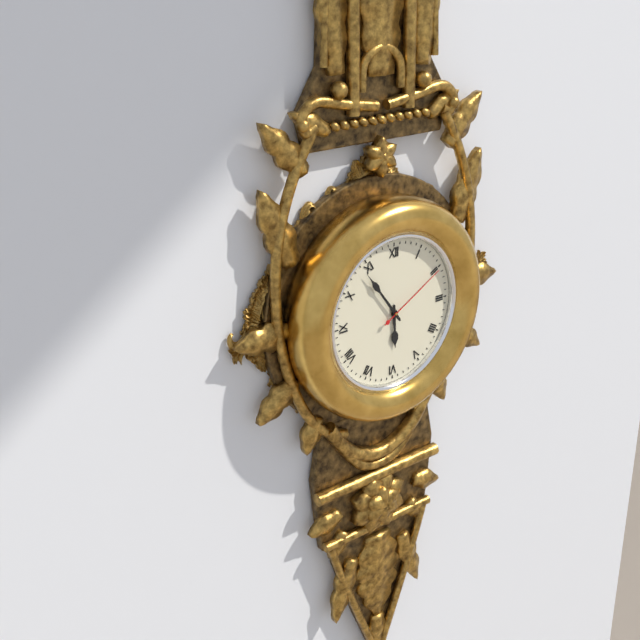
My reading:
h=5 m=54 s=10
